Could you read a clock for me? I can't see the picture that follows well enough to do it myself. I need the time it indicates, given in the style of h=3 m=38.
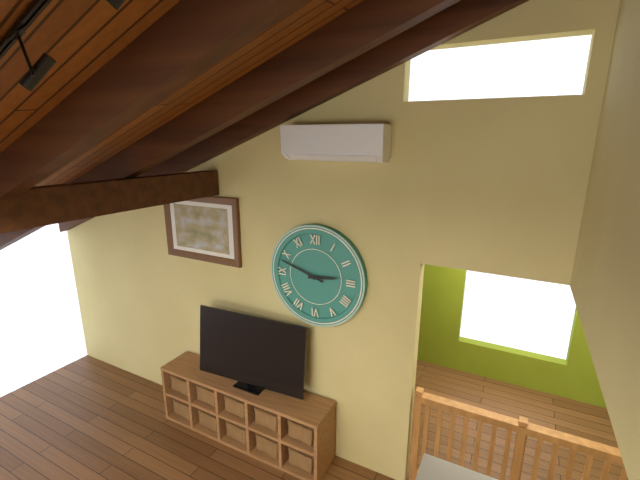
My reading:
h=2 m=48
